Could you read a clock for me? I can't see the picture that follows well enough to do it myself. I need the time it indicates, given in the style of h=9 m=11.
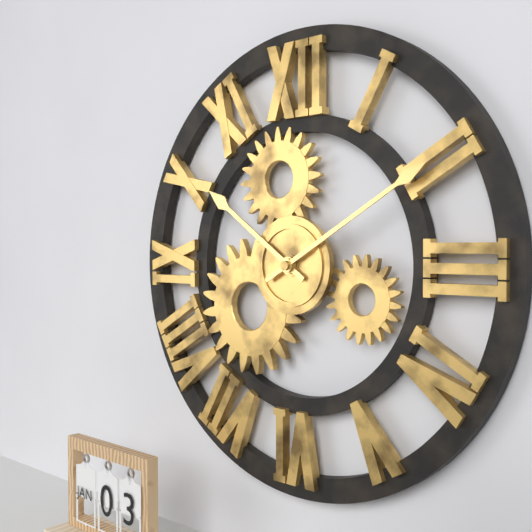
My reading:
h=10 m=10
